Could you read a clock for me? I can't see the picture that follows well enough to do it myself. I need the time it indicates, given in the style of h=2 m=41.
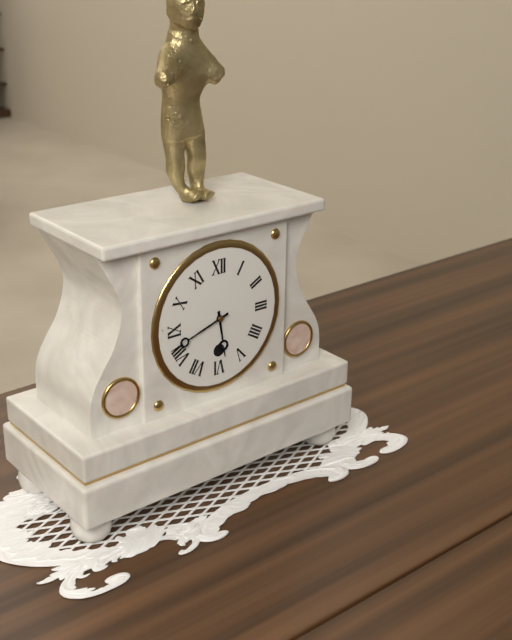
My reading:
h=5 m=42
